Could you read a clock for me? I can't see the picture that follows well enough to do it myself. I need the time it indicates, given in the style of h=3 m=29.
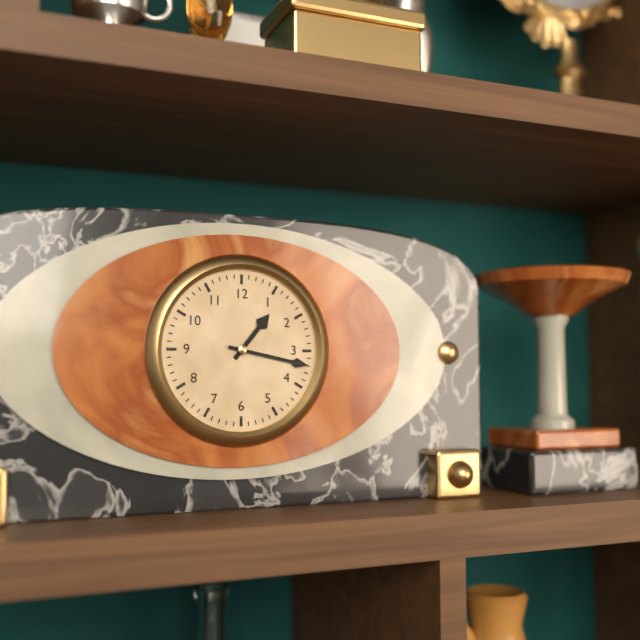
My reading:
h=1 m=17
